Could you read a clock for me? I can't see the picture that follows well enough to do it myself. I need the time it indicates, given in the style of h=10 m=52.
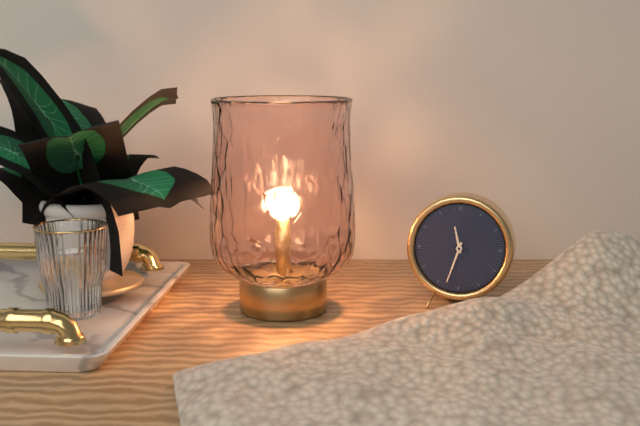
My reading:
h=11 m=33
